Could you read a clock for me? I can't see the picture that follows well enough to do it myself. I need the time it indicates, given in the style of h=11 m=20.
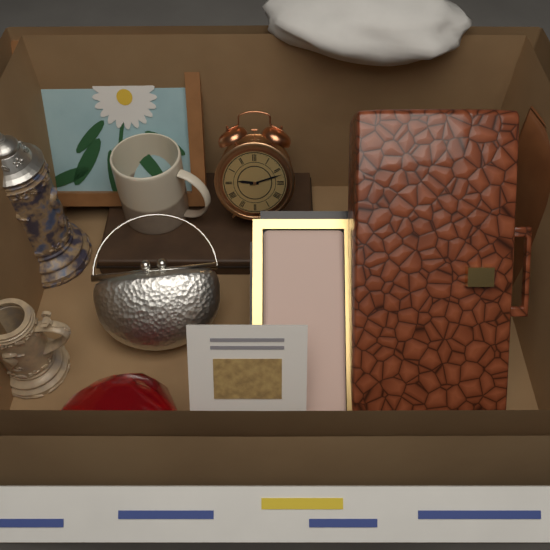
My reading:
h=9 m=12
